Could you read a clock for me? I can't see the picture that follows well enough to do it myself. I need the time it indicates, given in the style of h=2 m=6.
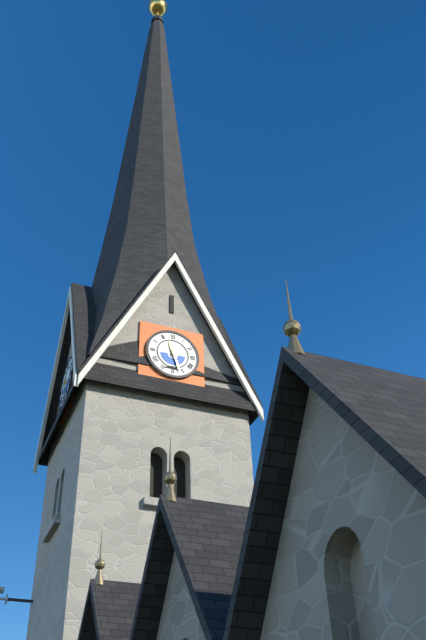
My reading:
h=11 m=27
